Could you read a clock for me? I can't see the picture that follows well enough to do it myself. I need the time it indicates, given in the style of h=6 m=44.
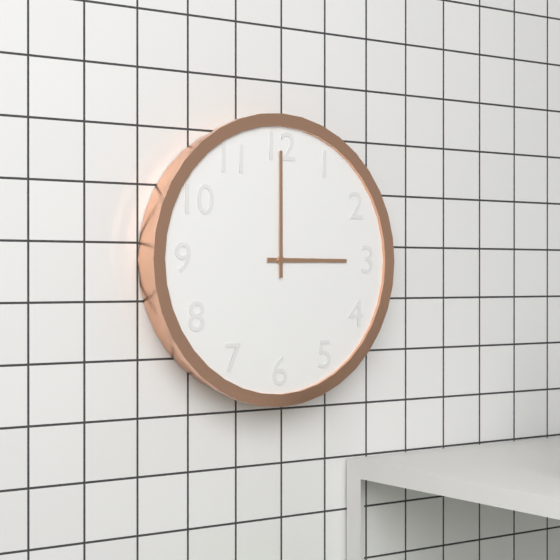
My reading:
h=3 m=0
